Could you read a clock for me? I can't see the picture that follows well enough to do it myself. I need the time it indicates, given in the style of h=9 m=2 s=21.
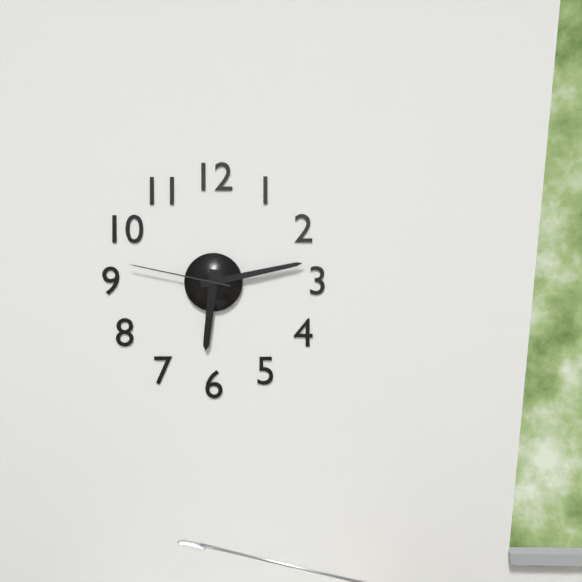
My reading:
h=6 m=13 s=47
